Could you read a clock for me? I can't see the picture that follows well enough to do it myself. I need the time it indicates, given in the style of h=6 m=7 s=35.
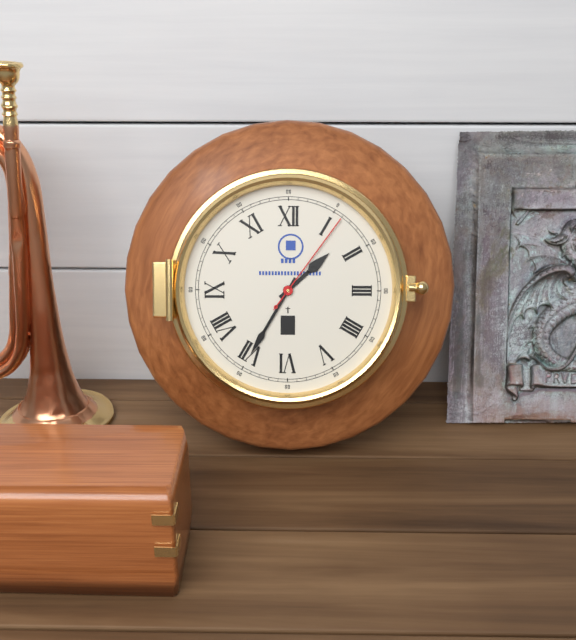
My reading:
h=1 m=35 s=6
